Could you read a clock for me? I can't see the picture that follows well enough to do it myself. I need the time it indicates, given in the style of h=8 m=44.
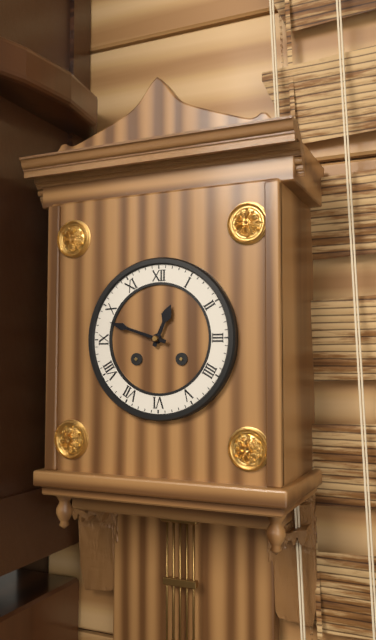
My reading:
h=12 m=48
